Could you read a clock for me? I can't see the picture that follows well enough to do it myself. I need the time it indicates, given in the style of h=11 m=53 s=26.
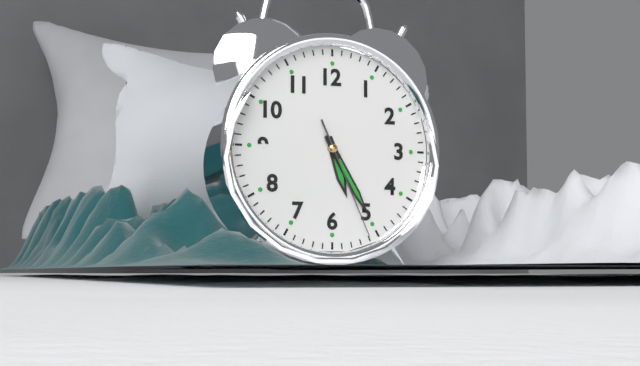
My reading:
h=5 m=25 s=26
